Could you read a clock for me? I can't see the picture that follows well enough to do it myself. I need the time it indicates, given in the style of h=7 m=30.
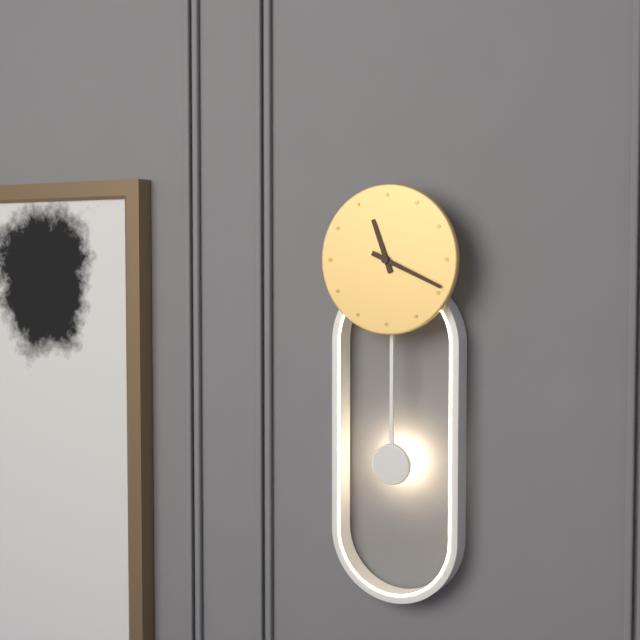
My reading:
h=11 m=19
